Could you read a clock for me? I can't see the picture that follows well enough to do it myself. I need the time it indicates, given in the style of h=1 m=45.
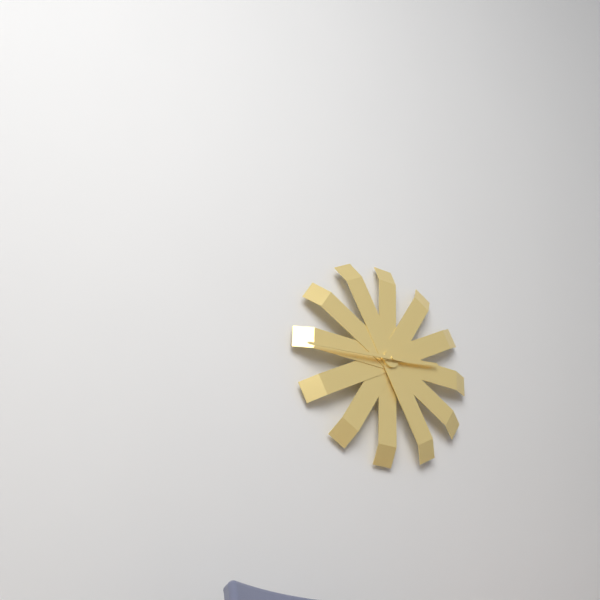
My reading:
h=2 m=44
